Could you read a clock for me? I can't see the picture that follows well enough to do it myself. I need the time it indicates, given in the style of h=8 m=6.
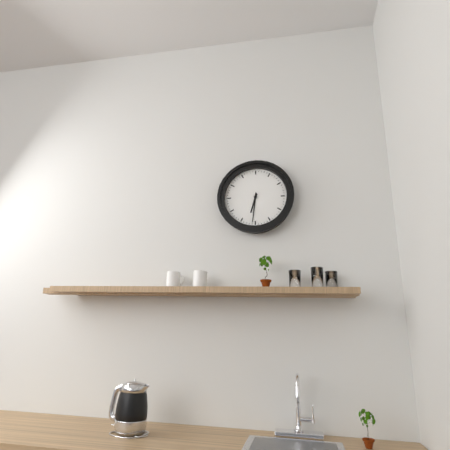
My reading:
h=6 m=31
